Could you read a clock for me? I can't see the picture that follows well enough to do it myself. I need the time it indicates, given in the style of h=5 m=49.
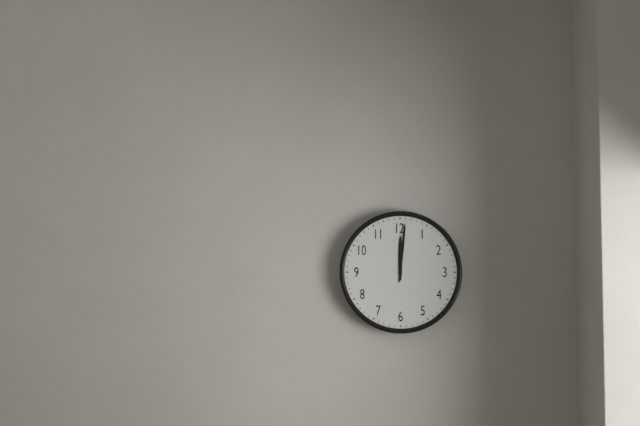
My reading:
h=12 m=1
